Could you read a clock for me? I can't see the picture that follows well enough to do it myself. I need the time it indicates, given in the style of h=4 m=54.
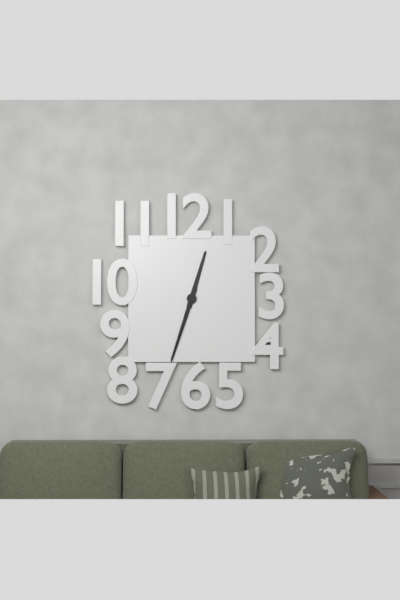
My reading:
h=12 m=33
